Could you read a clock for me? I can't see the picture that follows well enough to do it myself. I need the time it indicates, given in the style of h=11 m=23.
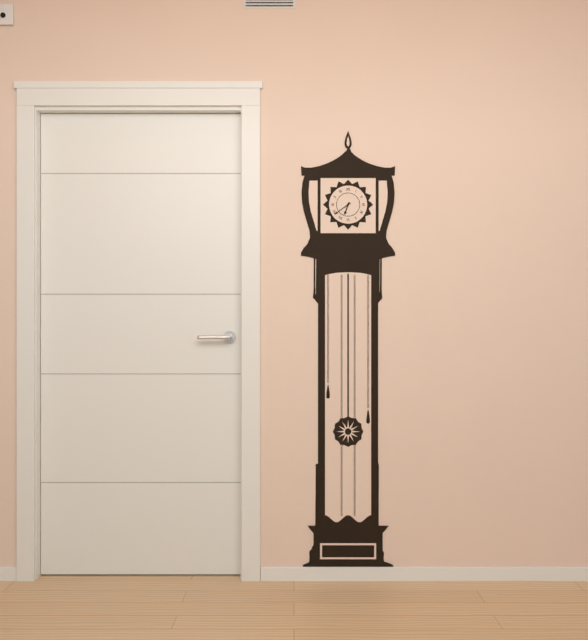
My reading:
h=6 m=39
